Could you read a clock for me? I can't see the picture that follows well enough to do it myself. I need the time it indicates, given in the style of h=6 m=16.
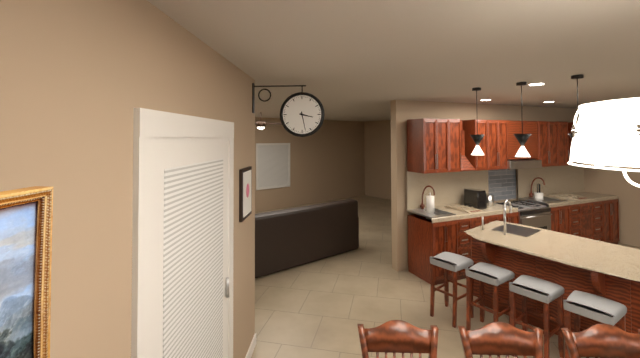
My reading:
h=3 m=28
